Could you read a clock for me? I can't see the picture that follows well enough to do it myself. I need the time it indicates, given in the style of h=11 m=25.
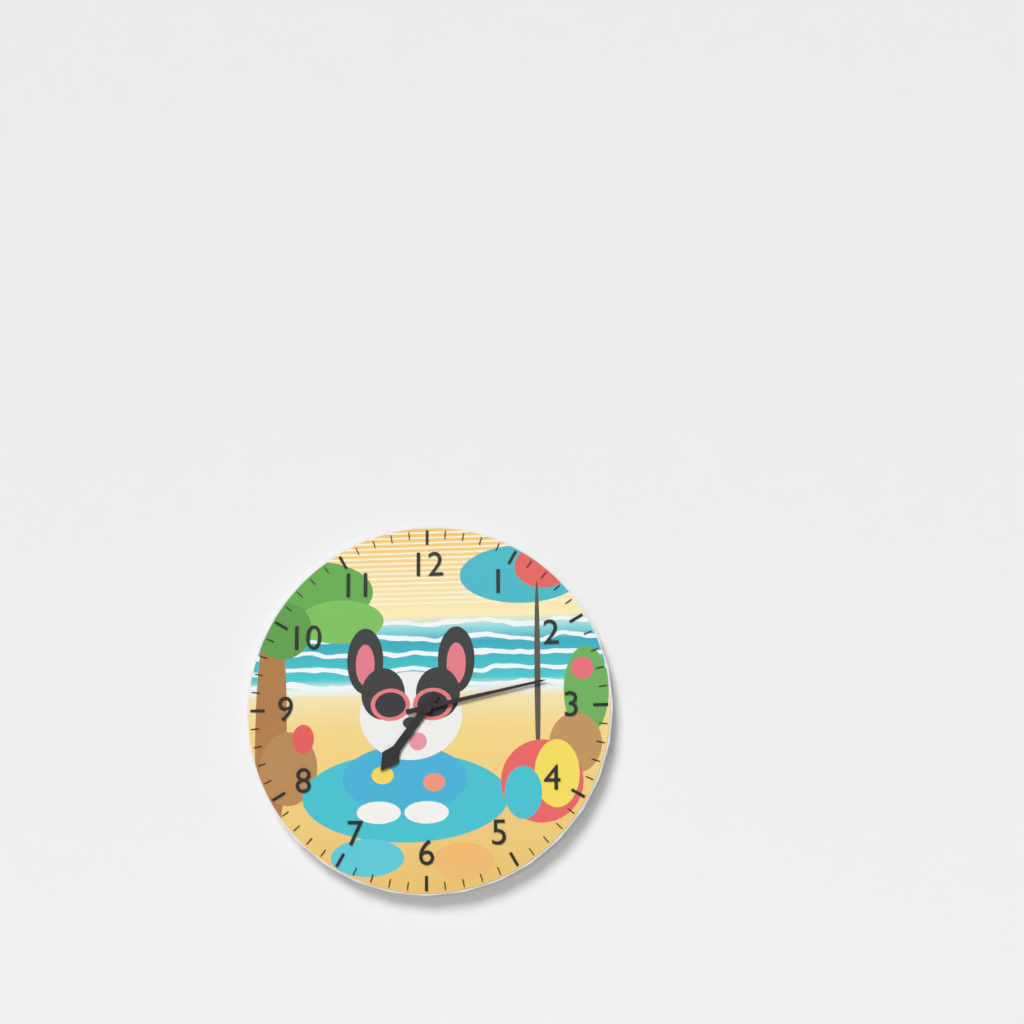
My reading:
h=7 m=13
